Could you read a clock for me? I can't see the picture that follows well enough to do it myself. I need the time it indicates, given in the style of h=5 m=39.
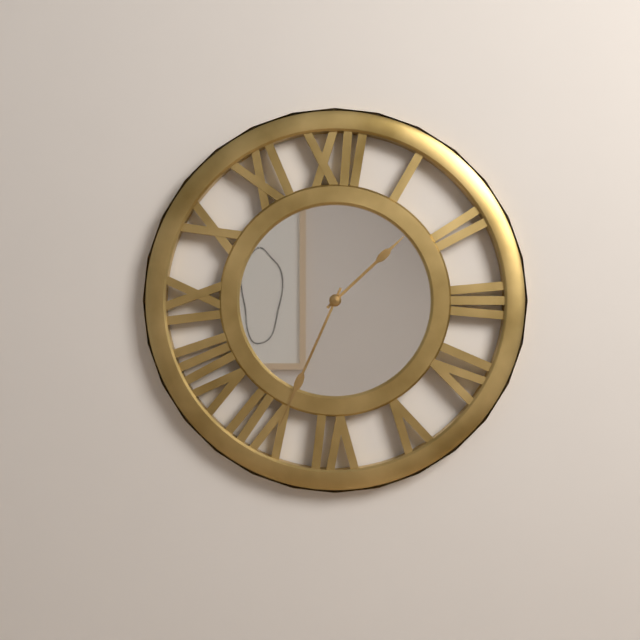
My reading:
h=1 m=34
